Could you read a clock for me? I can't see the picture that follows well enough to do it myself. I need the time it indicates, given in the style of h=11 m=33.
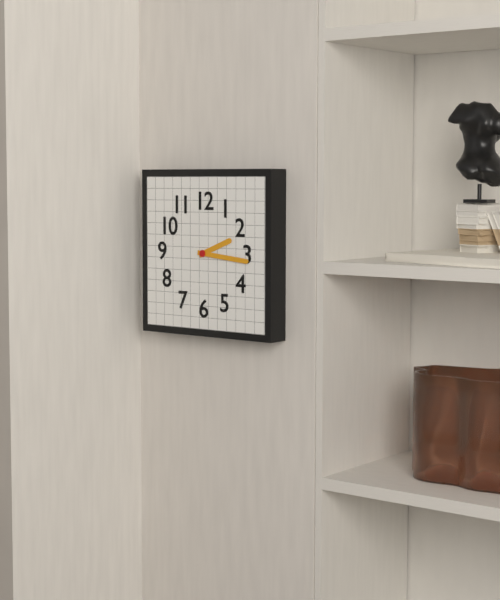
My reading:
h=2 m=16
